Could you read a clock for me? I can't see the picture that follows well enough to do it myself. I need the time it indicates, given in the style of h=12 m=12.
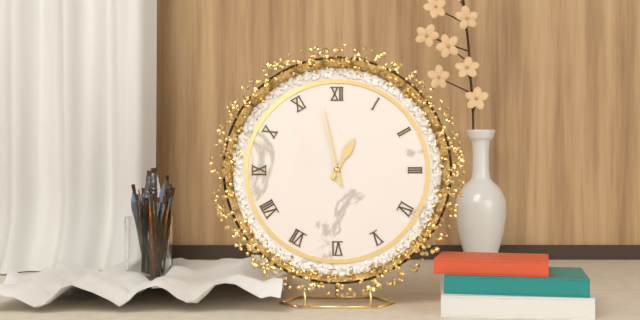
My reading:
h=12 m=58
